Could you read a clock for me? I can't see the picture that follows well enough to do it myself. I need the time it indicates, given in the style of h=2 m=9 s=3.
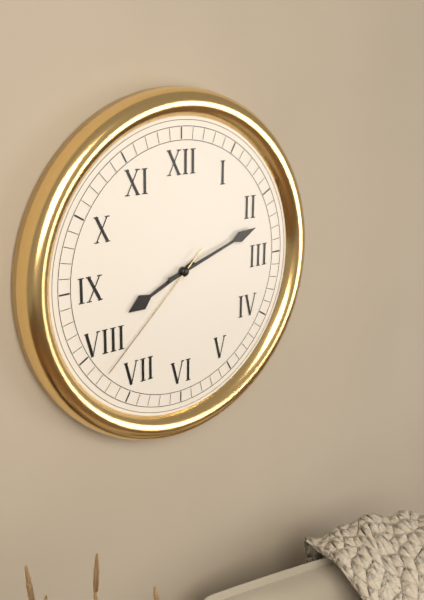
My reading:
h=8 m=12 s=38
